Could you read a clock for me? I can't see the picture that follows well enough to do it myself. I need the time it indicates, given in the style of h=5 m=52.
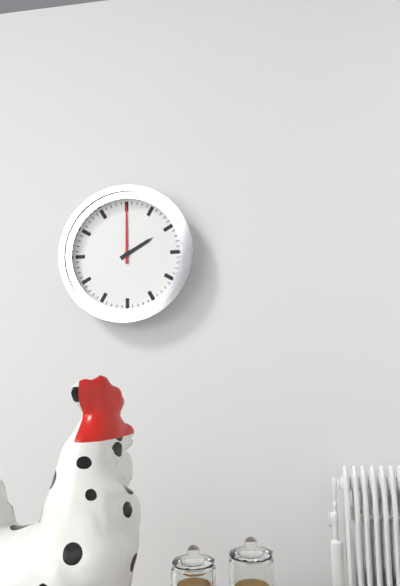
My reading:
h=2 m=0
